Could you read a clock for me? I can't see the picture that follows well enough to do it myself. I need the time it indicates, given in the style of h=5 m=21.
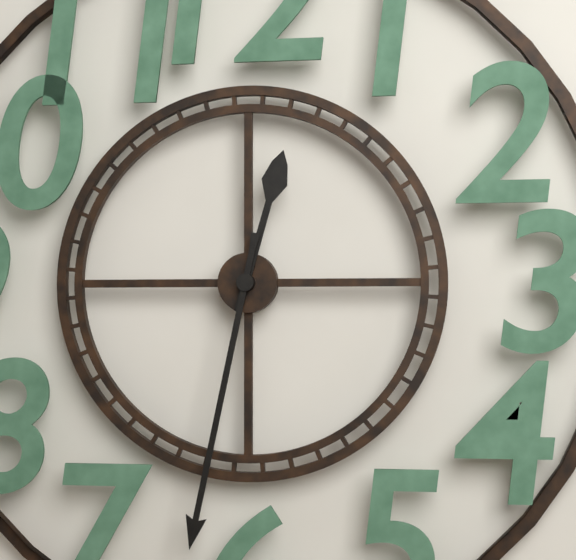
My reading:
h=12 m=32
